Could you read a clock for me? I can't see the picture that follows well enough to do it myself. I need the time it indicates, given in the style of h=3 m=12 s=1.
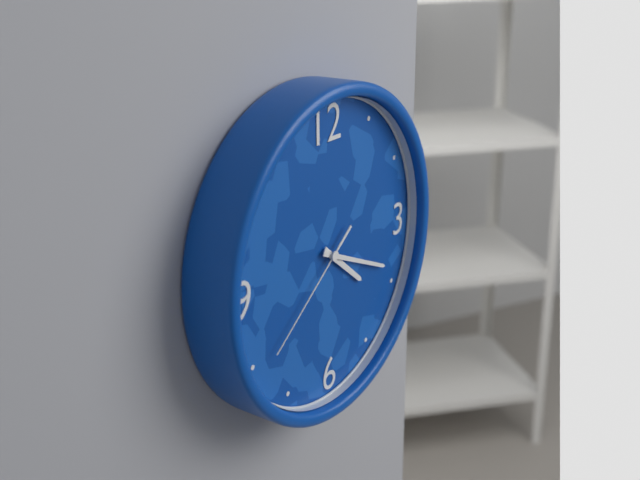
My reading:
h=4 m=19 s=39
